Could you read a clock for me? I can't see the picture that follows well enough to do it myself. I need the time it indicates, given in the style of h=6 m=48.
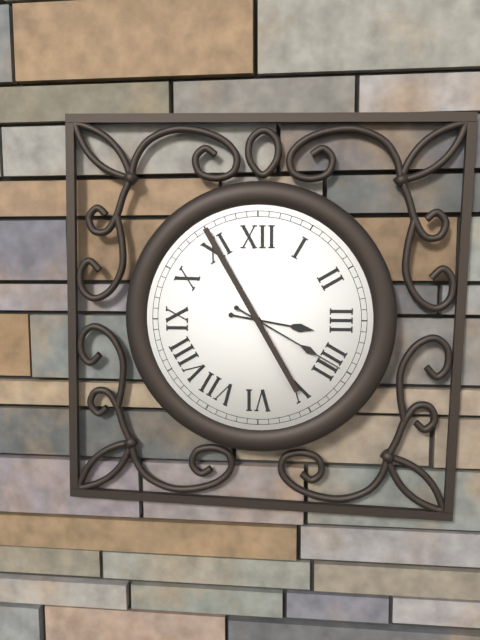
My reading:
h=3 m=20
